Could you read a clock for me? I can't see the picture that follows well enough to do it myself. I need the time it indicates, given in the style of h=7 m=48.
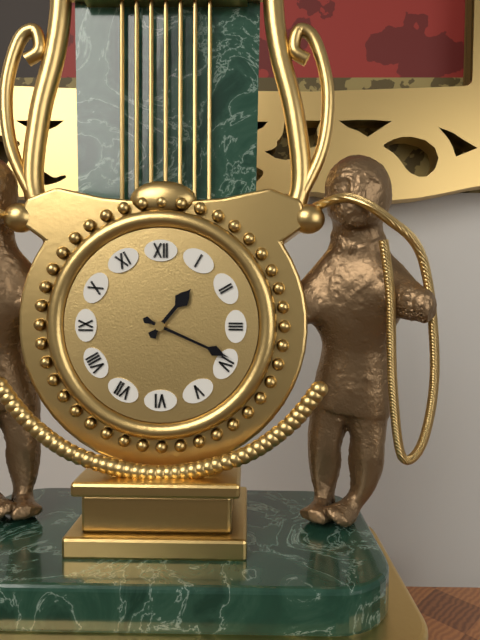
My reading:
h=1 m=19
